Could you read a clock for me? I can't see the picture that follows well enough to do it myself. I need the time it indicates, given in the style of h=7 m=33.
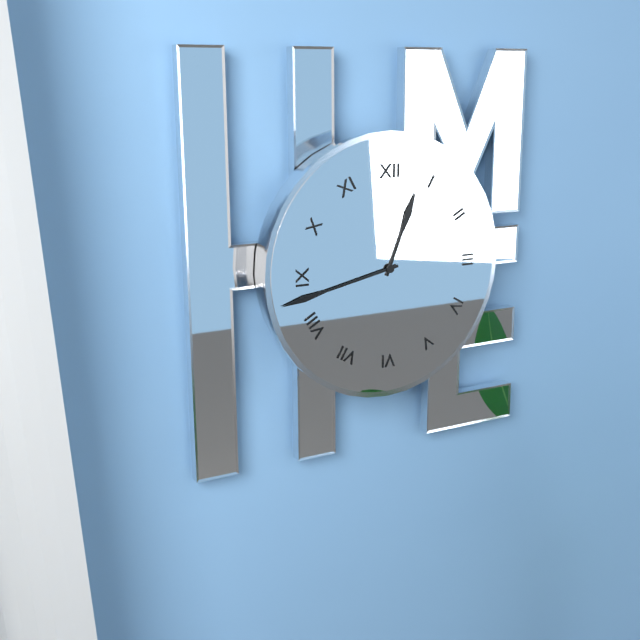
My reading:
h=12 m=43
